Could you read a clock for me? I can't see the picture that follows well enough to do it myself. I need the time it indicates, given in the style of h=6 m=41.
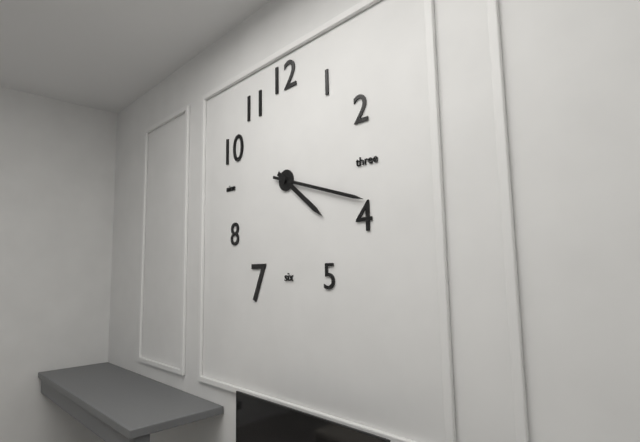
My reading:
h=4 m=18
